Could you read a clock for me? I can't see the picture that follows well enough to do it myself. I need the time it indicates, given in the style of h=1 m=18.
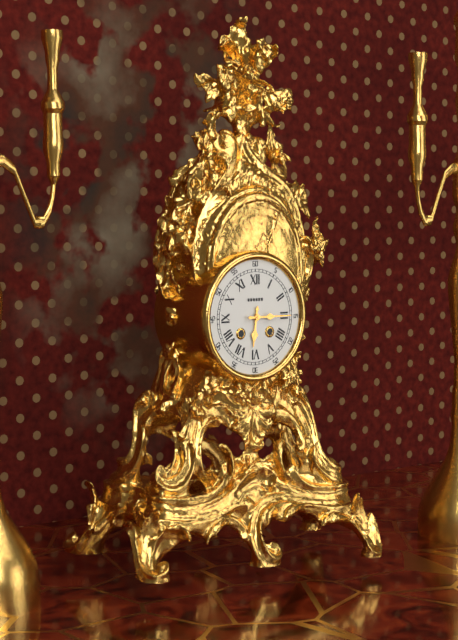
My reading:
h=6 m=15
